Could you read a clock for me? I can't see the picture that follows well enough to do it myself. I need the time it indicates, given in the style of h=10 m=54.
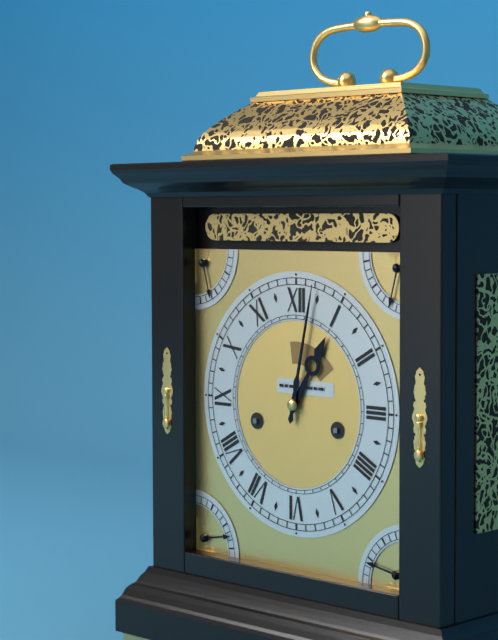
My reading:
h=1 m=2
